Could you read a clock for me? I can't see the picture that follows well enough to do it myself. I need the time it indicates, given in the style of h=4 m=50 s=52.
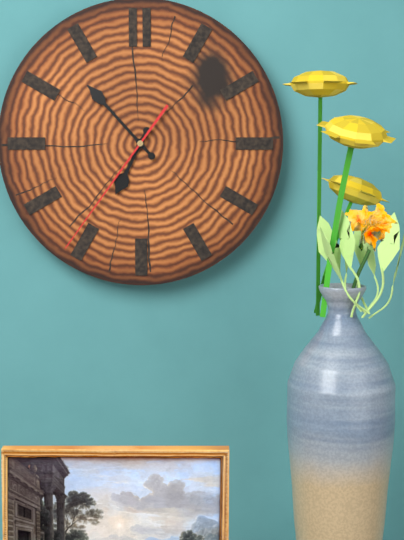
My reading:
h=6 m=53 s=36
